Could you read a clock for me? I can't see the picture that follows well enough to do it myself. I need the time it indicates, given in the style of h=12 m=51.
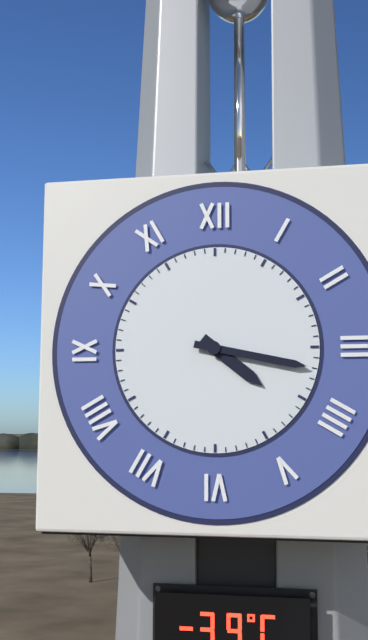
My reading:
h=4 m=17
